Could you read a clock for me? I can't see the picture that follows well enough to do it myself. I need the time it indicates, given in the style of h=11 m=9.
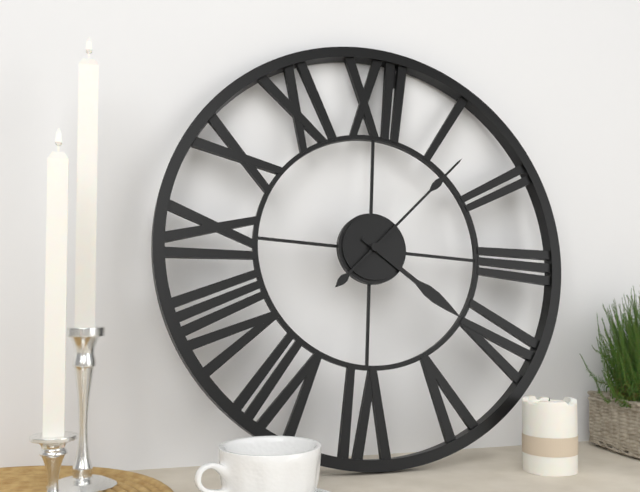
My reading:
h=4 m=7
